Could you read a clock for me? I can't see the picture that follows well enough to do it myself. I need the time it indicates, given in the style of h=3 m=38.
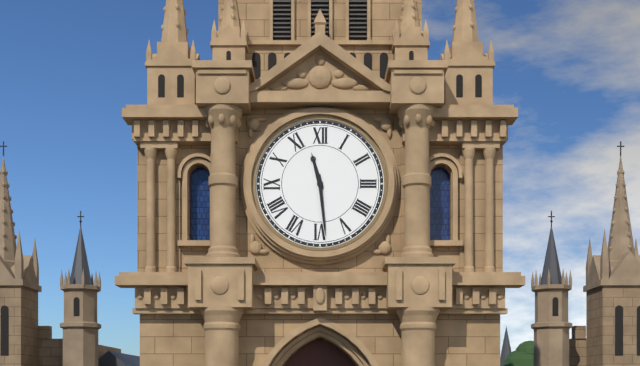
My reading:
h=11 m=29
